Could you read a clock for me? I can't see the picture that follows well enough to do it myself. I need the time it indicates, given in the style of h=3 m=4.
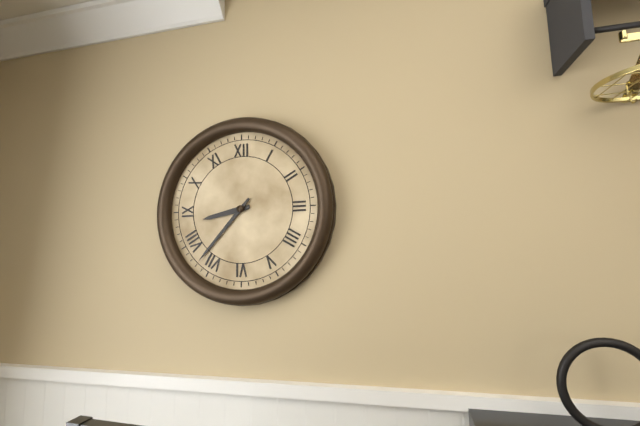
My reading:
h=8 m=37
